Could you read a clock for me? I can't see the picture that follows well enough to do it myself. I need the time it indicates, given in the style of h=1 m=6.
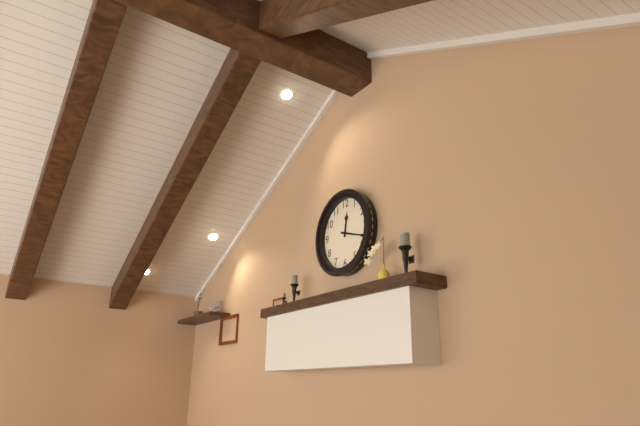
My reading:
h=12 m=18
